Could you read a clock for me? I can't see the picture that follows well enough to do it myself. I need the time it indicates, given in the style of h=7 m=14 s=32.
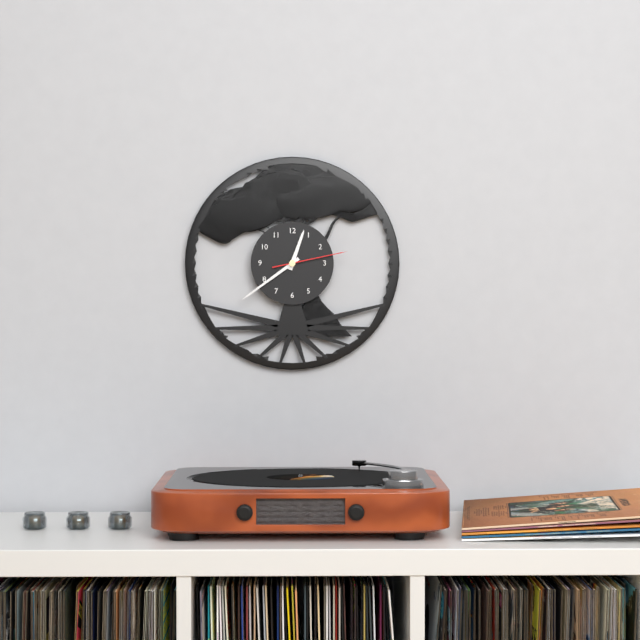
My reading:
h=12 m=39 s=13
